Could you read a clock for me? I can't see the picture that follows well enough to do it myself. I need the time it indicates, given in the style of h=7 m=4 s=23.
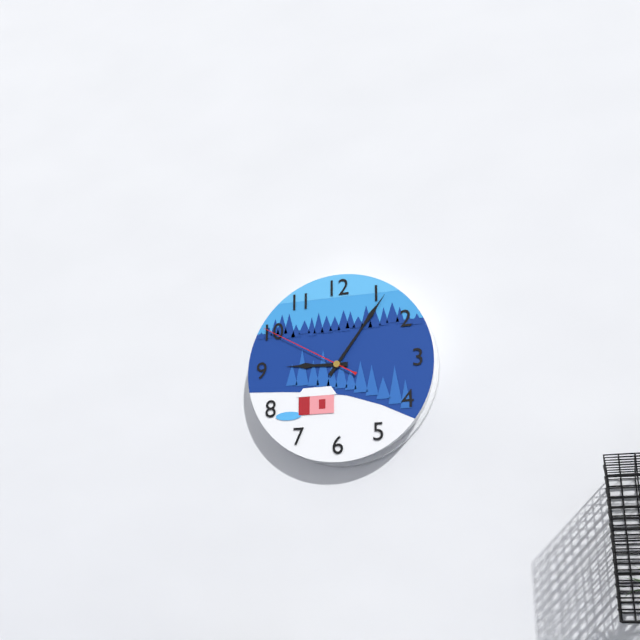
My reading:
h=9 m=6 s=50
